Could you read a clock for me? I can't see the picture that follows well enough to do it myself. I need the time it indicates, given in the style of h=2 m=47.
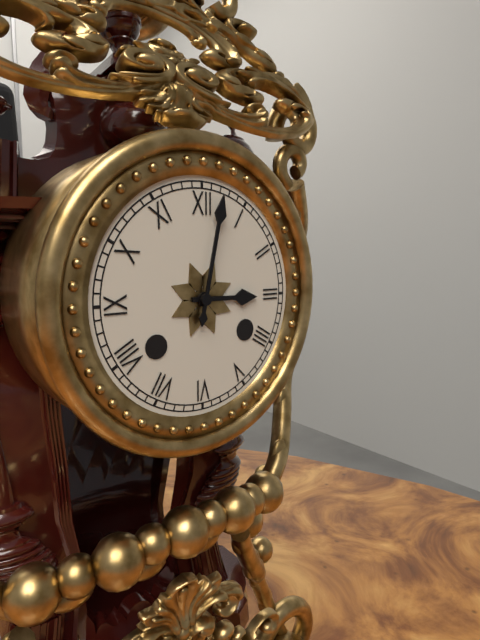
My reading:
h=3 m=2
